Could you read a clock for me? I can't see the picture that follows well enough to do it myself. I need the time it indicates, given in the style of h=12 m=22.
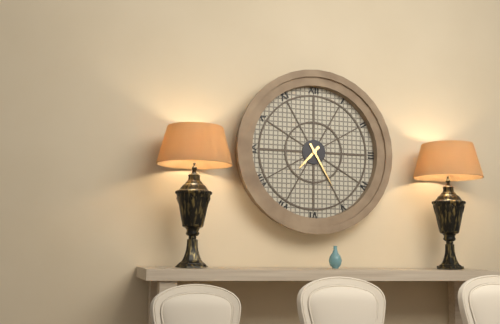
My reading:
h=7 m=25
